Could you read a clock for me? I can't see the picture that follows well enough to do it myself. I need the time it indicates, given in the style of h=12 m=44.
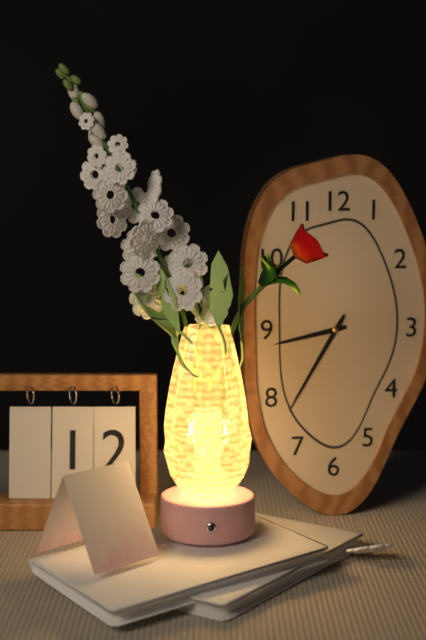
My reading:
h=8 m=35
